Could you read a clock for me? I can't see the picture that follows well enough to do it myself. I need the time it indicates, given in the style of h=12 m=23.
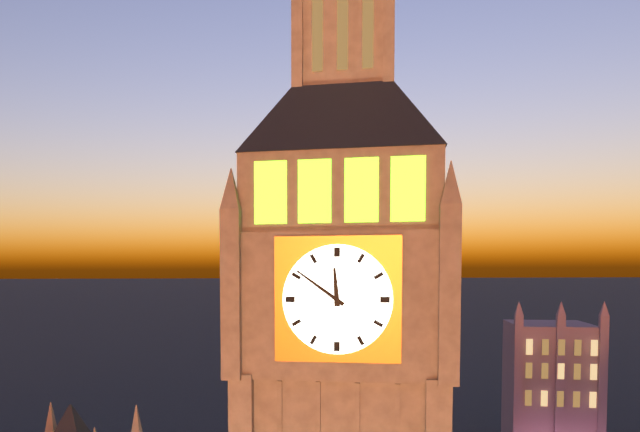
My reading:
h=11 m=51
